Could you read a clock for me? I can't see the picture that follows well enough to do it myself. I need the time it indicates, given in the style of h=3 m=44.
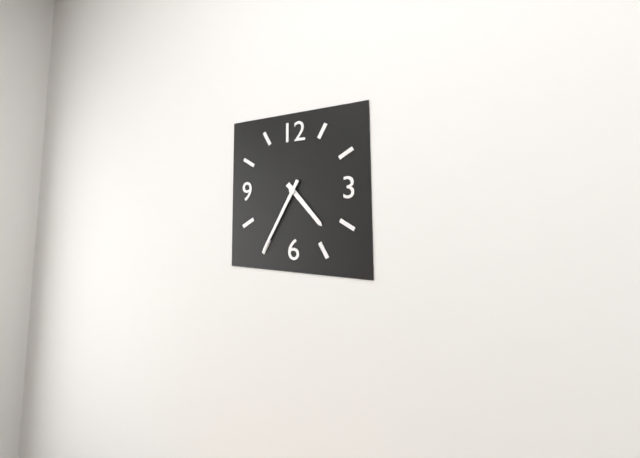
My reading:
h=4 m=35
